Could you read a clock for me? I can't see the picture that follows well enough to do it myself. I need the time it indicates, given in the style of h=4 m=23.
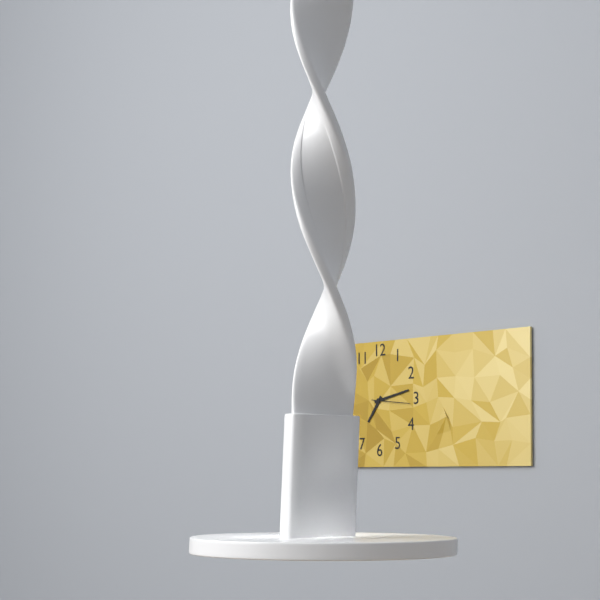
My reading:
h=7 m=13
